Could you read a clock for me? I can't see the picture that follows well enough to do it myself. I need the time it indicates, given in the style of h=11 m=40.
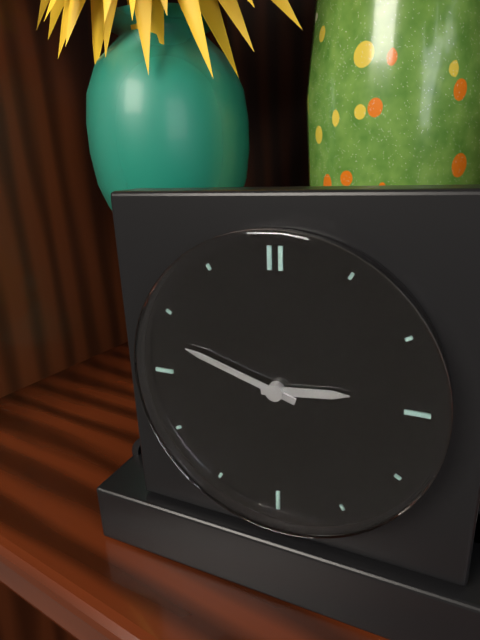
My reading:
h=2 m=48
